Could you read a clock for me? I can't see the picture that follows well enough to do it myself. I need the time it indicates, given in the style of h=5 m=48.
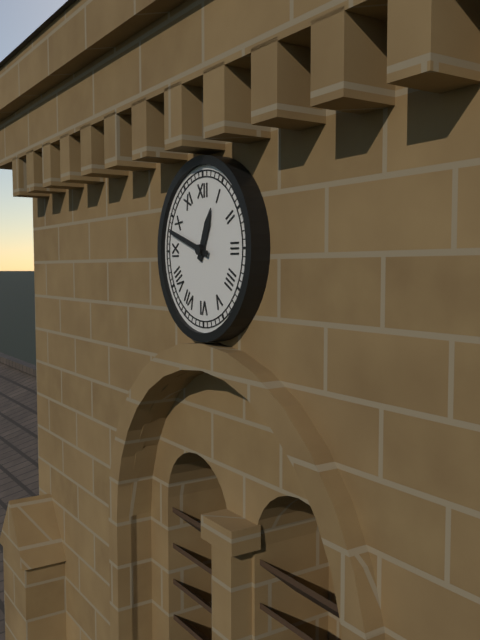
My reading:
h=12 m=48
